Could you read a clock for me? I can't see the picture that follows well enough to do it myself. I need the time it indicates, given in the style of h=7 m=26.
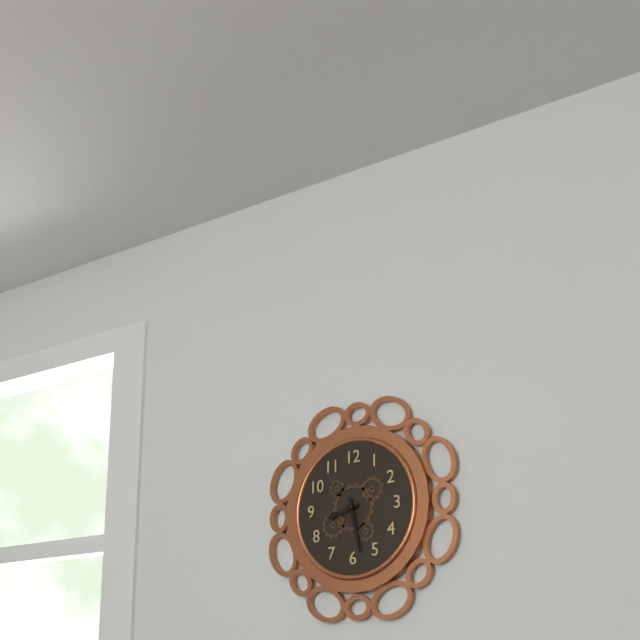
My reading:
h=8 m=28
